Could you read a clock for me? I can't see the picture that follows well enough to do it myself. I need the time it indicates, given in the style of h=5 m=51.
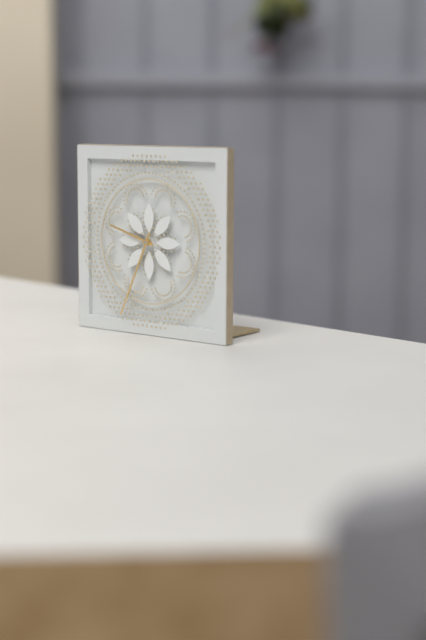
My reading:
h=9 m=34
